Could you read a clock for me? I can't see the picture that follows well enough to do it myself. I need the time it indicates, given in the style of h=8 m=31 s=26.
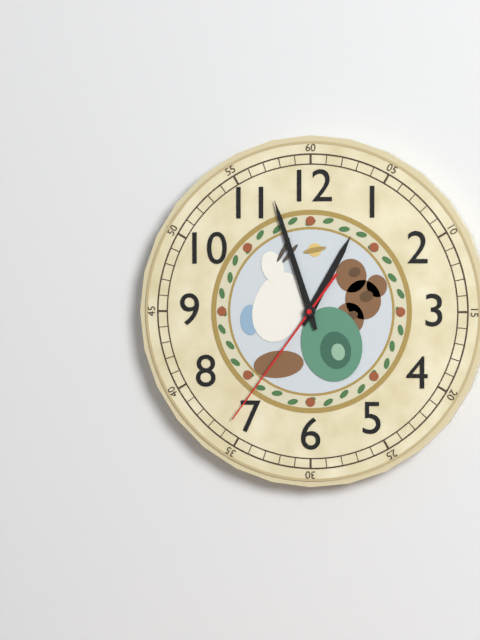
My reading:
h=12 m=57 s=36
